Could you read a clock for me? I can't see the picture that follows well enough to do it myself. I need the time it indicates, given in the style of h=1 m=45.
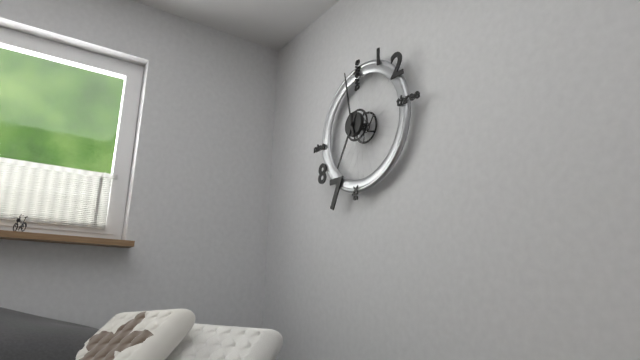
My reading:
h=6 m=58
